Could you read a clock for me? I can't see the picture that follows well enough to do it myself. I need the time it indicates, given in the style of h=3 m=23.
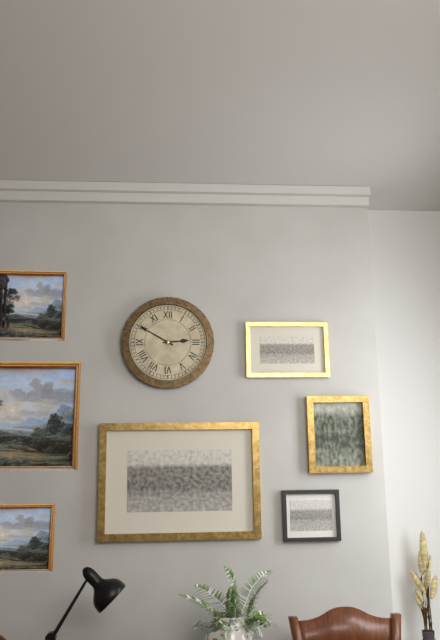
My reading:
h=2 m=50
